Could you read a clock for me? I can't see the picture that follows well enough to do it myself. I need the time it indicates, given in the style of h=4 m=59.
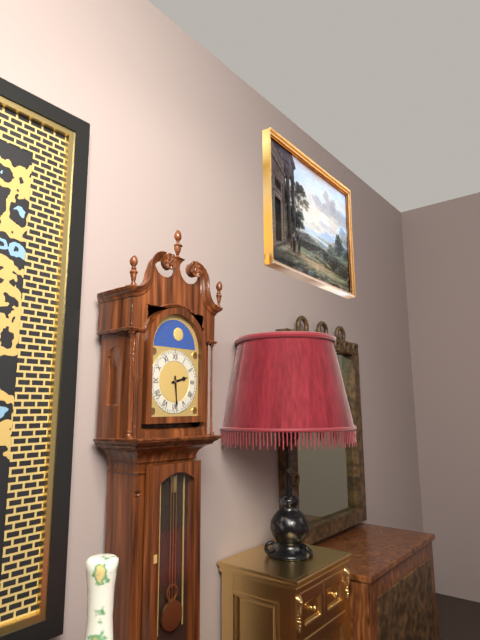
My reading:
h=2 m=29
